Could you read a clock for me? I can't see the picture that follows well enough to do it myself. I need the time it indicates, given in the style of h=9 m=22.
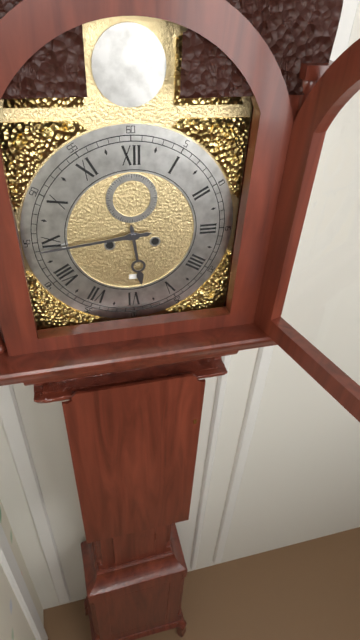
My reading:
h=5 m=44
